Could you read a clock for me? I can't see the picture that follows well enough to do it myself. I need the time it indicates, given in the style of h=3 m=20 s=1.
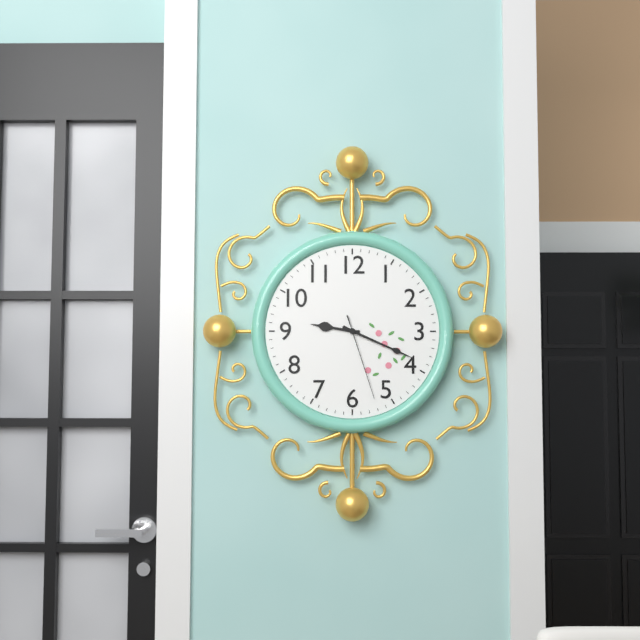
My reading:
h=9 m=19 s=27
